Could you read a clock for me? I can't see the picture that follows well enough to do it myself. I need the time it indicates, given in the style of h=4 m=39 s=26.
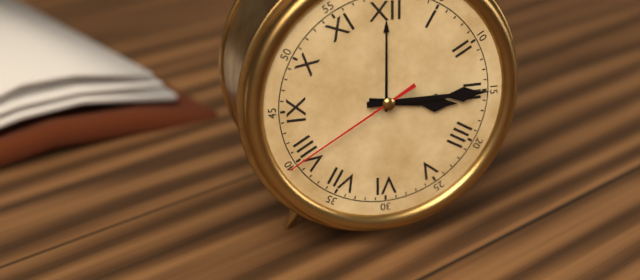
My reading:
h=3 m=15 s=40
